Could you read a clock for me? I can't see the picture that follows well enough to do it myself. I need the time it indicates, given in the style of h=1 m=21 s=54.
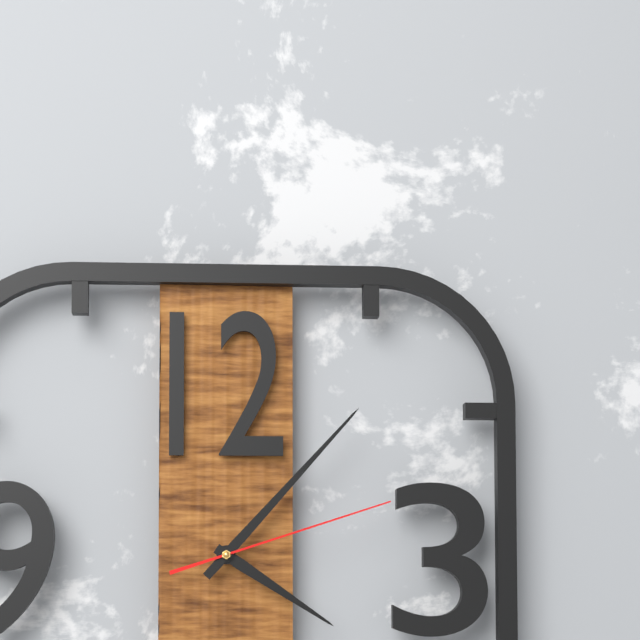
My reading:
h=4 m=7 s=12
